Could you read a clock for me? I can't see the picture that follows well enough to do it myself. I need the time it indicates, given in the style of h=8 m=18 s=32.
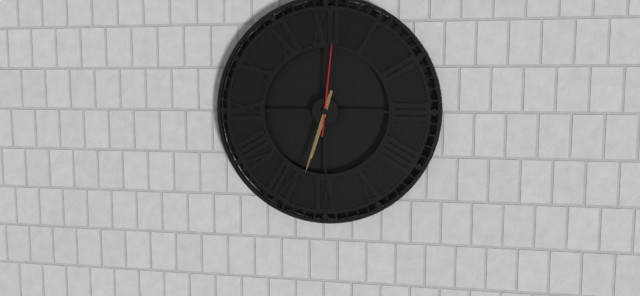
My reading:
h=6 m=33 s=1
